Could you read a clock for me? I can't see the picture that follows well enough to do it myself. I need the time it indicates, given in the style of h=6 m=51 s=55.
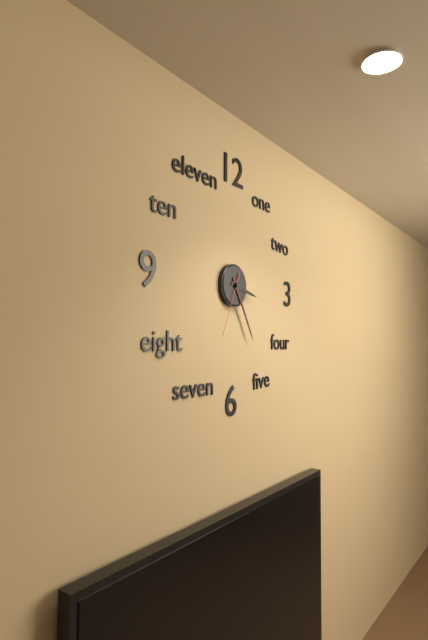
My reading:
h=3 m=25 s=34
